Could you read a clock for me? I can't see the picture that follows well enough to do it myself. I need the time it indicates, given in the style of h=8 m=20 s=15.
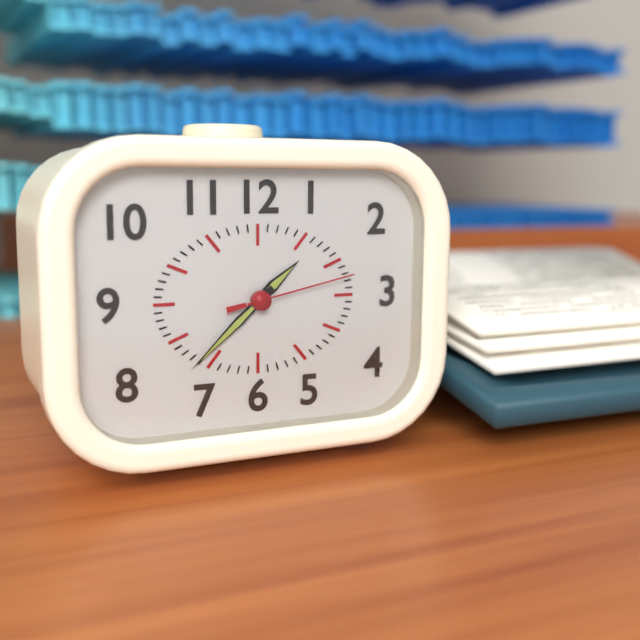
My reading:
h=1 m=38 s=13
